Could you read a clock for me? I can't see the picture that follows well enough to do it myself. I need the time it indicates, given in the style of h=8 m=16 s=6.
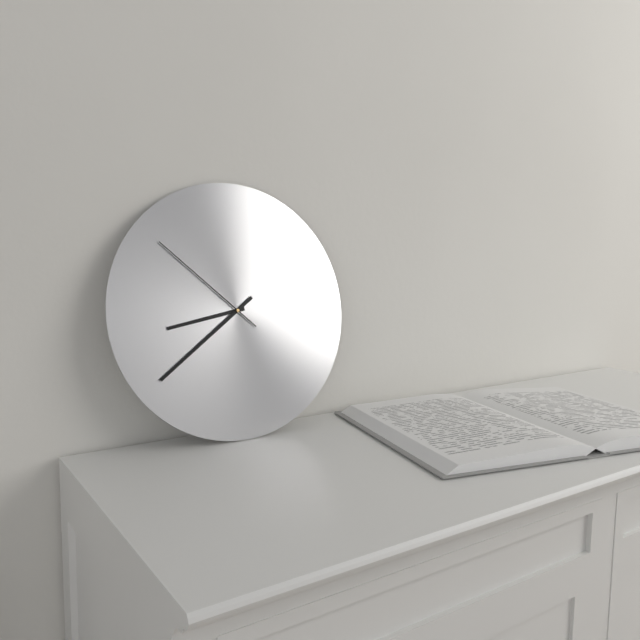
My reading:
h=8 m=39 s=52
